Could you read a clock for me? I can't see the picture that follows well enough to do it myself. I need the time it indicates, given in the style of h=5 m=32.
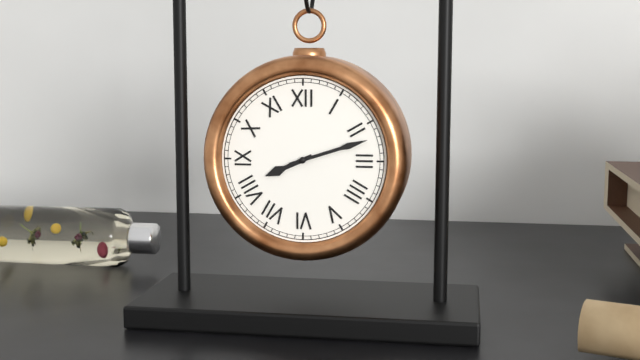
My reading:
h=8 m=12
